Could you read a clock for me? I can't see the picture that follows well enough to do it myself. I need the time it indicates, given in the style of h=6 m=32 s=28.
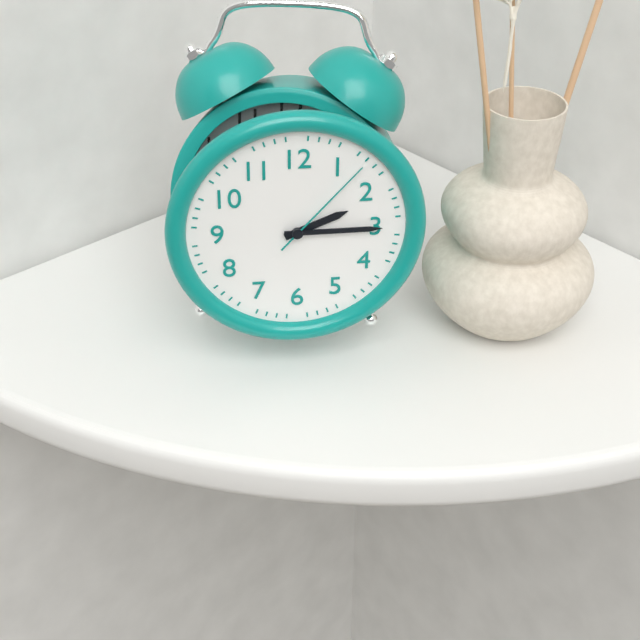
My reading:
h=2 m=15 s=7
